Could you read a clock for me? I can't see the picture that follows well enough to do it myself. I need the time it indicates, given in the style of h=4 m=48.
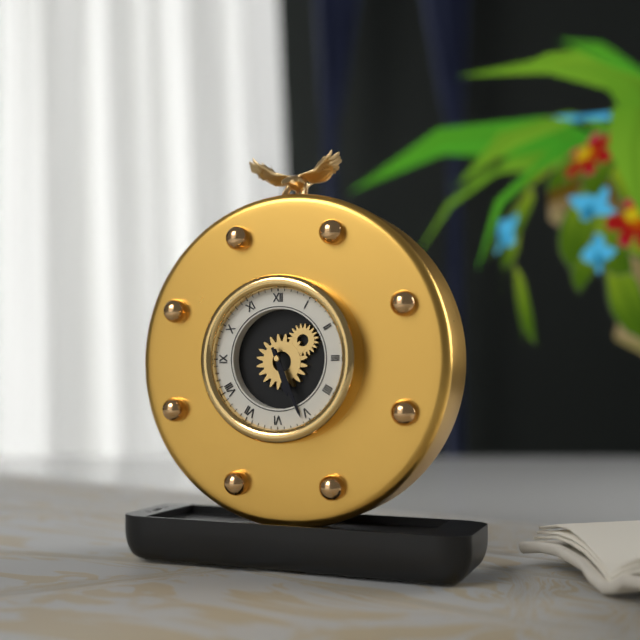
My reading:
h=5 m=26
